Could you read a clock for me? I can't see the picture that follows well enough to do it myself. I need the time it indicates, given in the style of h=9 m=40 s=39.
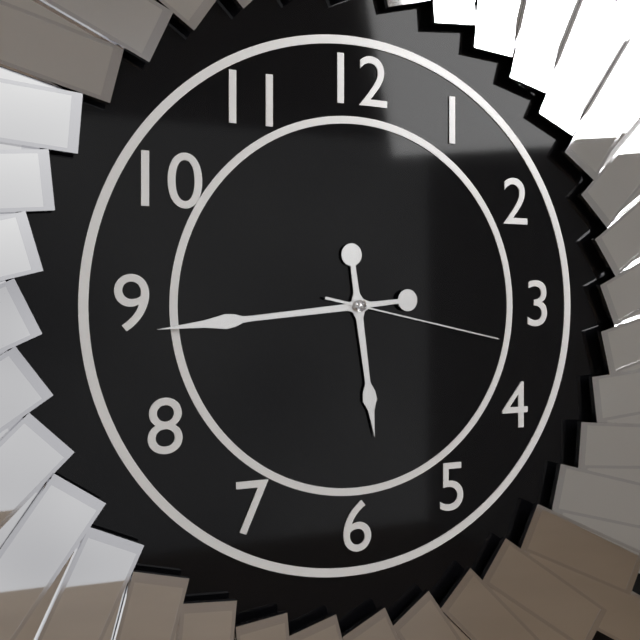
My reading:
h=5 m=44 s=17
